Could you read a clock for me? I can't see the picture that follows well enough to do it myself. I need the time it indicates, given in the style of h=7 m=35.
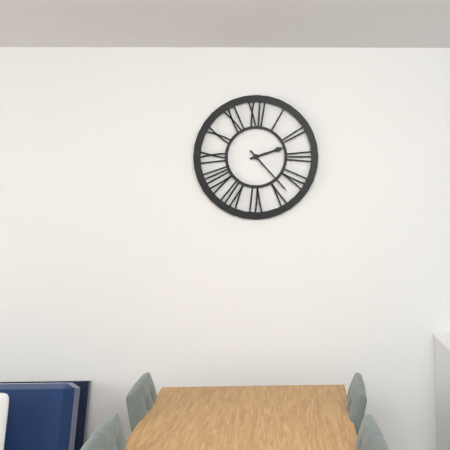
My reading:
h=2 m=23
